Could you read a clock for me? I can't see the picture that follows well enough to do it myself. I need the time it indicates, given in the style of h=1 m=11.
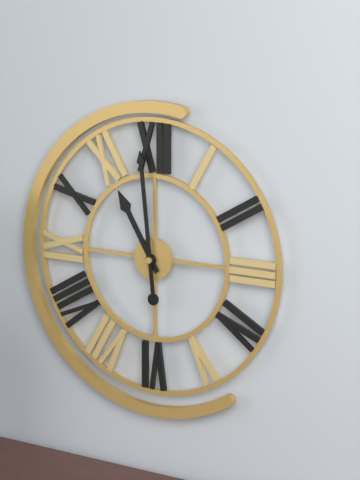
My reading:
h=10 m=59
